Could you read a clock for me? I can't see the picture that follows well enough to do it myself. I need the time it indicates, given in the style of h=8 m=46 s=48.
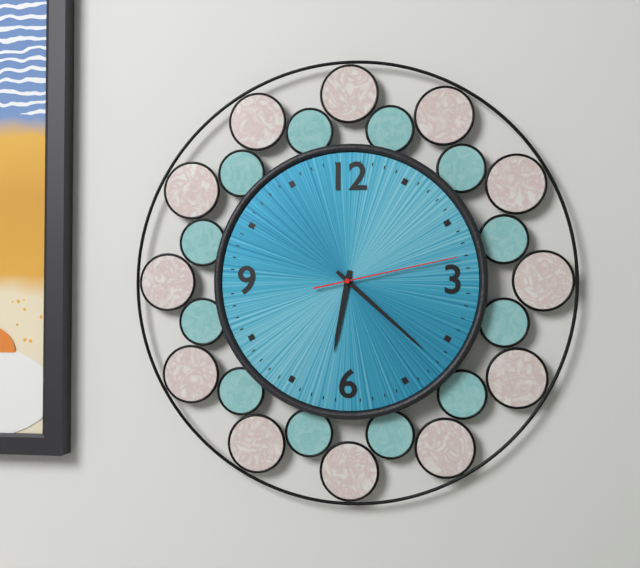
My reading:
h=6 m=22 s=13
